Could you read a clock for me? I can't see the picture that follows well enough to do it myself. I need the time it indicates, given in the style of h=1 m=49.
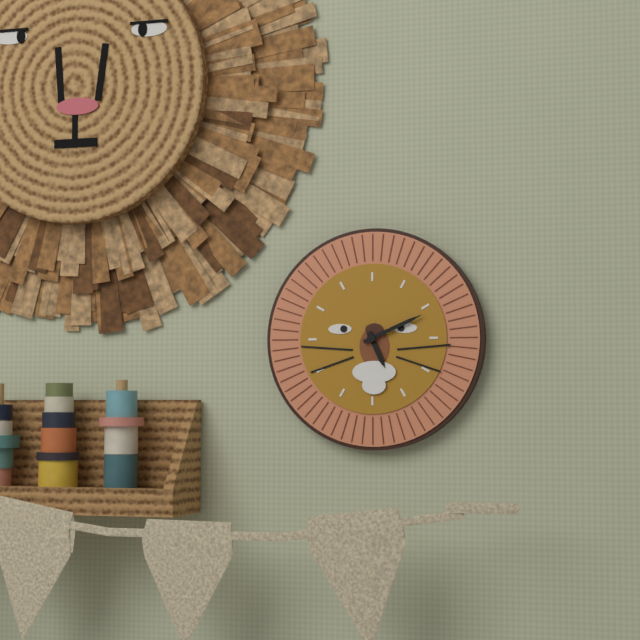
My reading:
h=5 m=11
